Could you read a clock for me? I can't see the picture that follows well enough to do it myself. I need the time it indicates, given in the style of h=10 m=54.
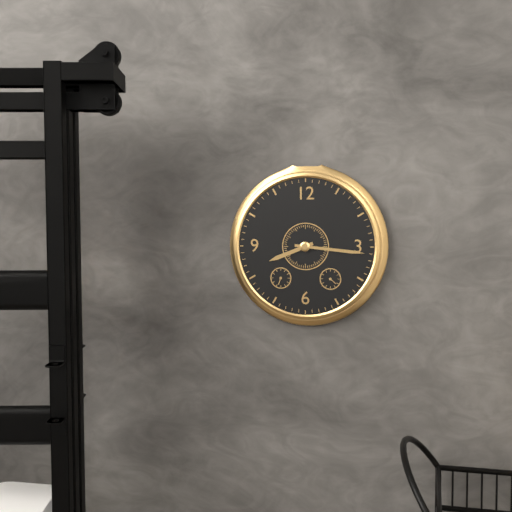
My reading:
h=8 m=16
